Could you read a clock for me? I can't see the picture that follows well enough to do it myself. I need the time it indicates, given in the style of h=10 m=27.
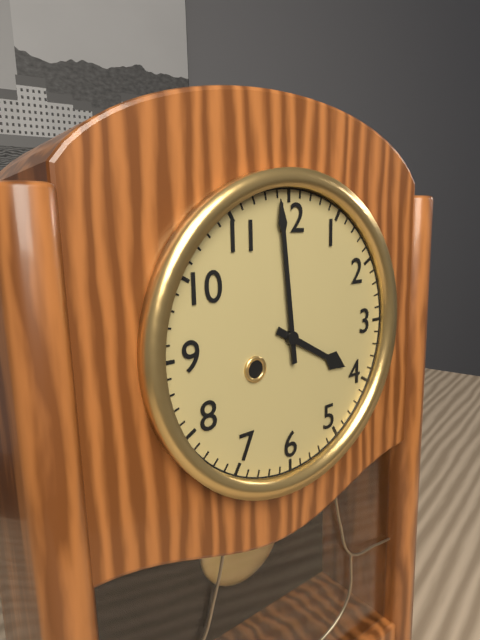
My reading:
h=3 m=59
